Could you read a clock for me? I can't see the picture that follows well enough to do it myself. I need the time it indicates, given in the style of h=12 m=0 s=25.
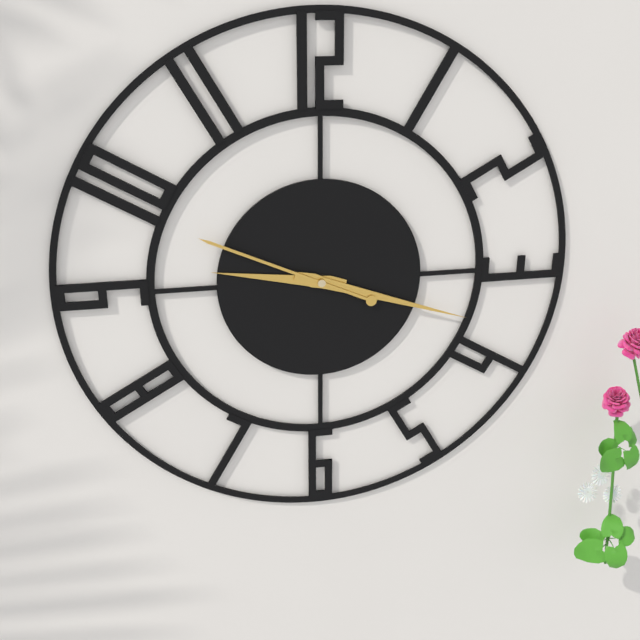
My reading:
h=9 m=18 s=49
